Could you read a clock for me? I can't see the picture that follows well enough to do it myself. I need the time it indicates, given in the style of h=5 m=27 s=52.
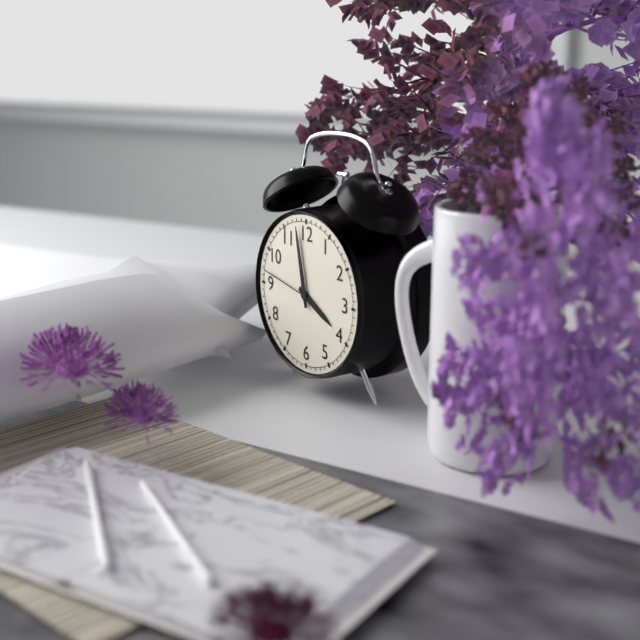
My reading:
h=3 m=58 s=47
